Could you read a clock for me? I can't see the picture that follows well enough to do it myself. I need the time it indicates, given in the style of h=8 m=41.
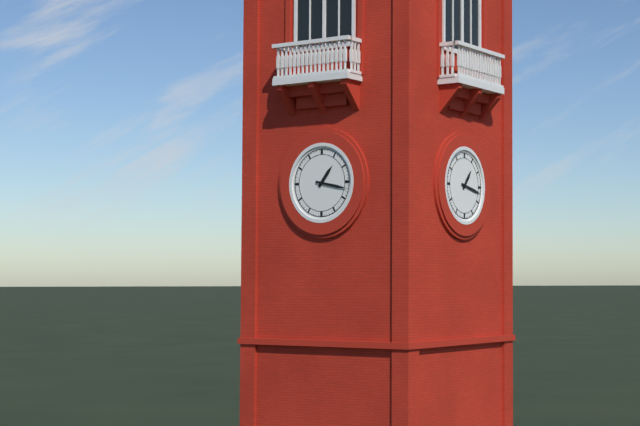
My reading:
h=1 m=17
